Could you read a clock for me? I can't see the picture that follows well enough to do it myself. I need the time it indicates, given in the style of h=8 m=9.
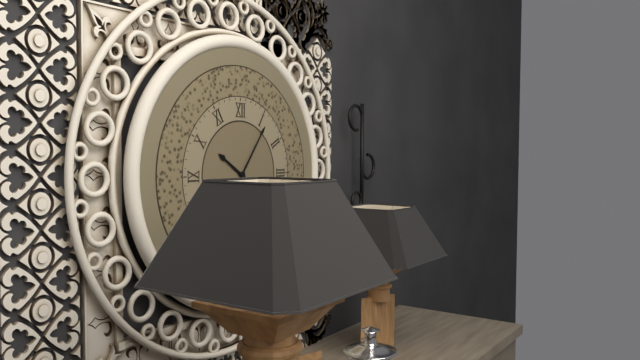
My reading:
h=10 m=6
